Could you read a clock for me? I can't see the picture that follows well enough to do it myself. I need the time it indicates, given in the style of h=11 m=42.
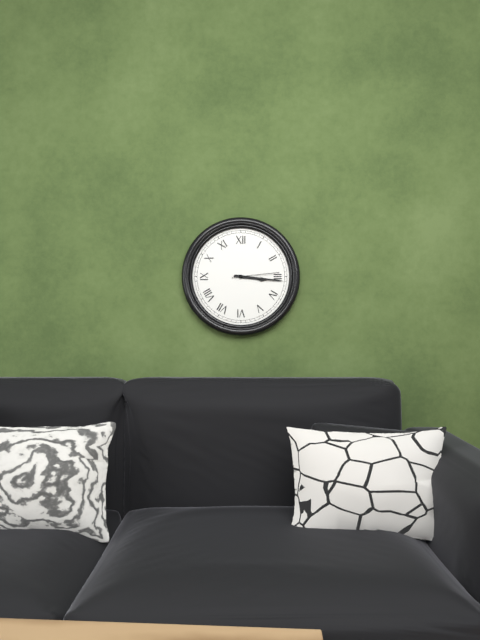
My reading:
h=3 m=16
